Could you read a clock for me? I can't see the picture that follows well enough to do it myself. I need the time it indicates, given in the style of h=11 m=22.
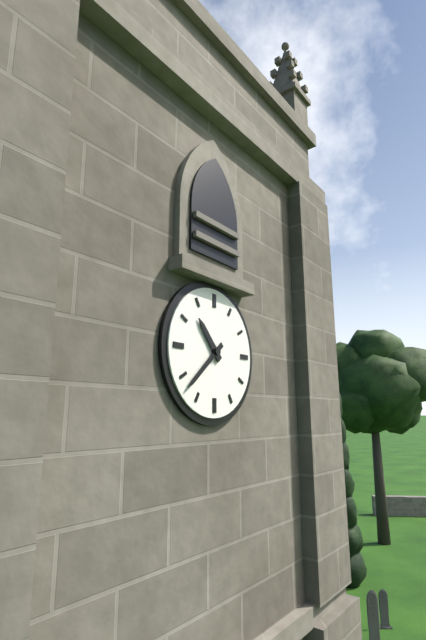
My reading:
h=10 m=38
